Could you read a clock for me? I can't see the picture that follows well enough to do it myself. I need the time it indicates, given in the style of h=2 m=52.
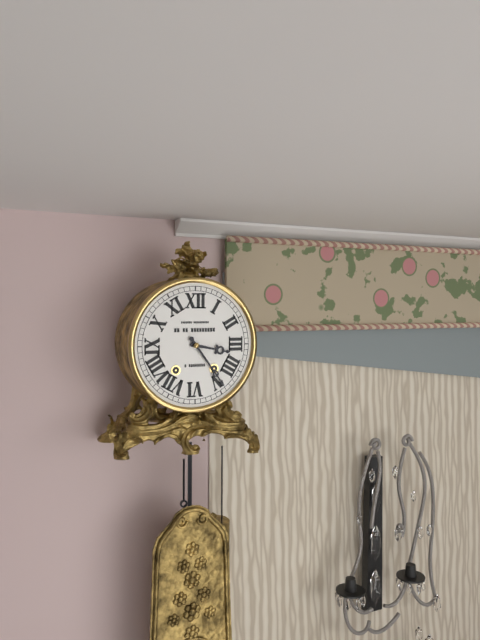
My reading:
h=3 m=24
